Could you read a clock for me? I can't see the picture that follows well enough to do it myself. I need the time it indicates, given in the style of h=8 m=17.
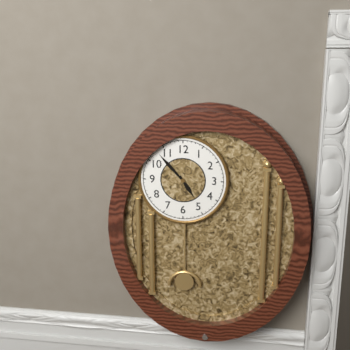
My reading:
h=4 m=53
